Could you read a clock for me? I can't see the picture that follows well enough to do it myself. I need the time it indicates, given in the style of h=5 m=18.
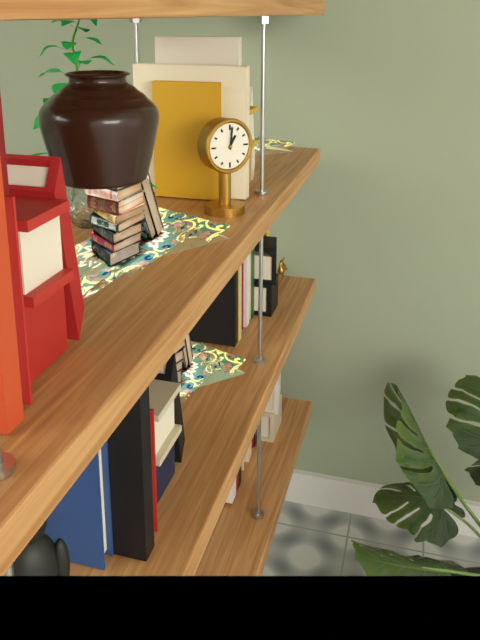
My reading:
h=1 m=1
